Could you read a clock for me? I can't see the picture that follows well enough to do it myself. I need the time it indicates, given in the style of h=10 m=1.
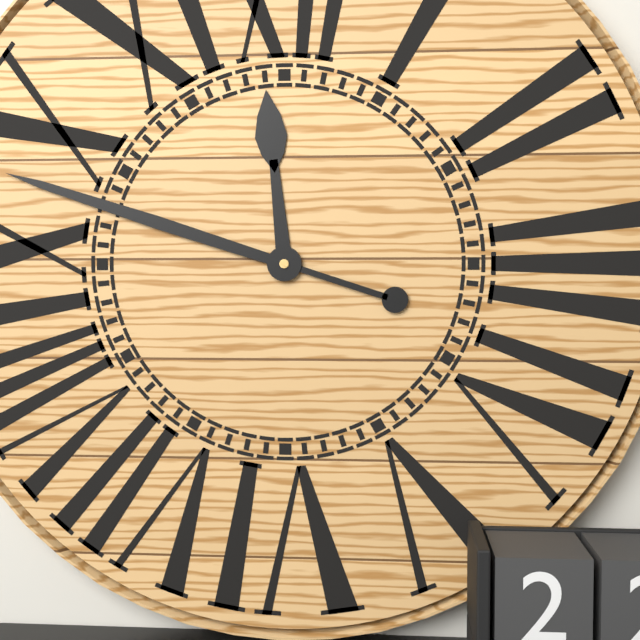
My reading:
h=11 m=48
